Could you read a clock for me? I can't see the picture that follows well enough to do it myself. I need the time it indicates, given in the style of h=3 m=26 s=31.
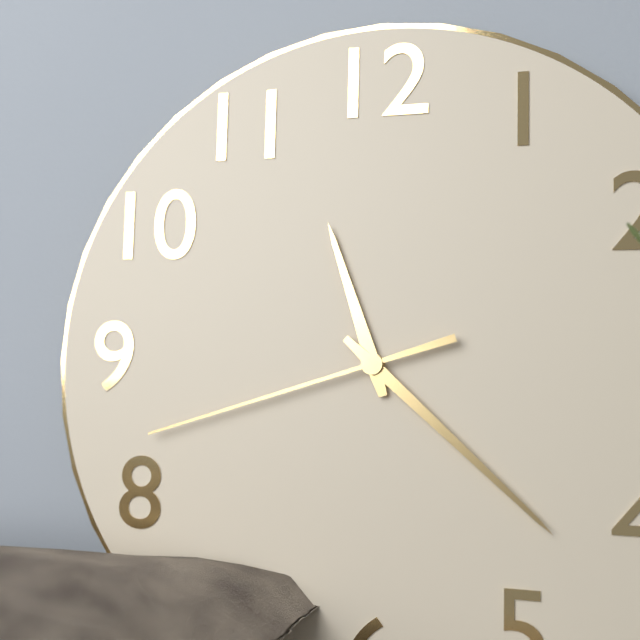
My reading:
h=11 m=22 s=42
